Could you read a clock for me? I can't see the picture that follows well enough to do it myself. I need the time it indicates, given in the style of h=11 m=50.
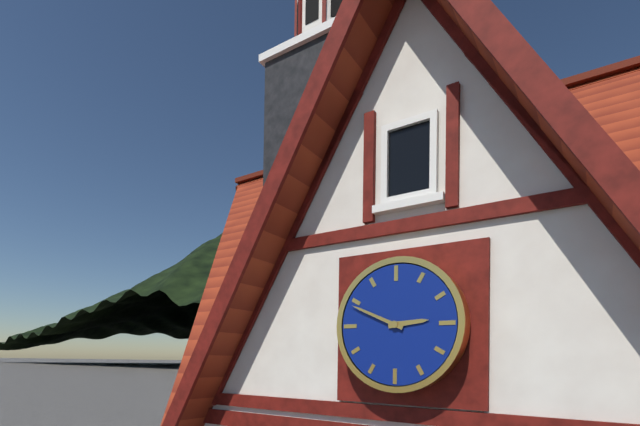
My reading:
h=2 m=49
